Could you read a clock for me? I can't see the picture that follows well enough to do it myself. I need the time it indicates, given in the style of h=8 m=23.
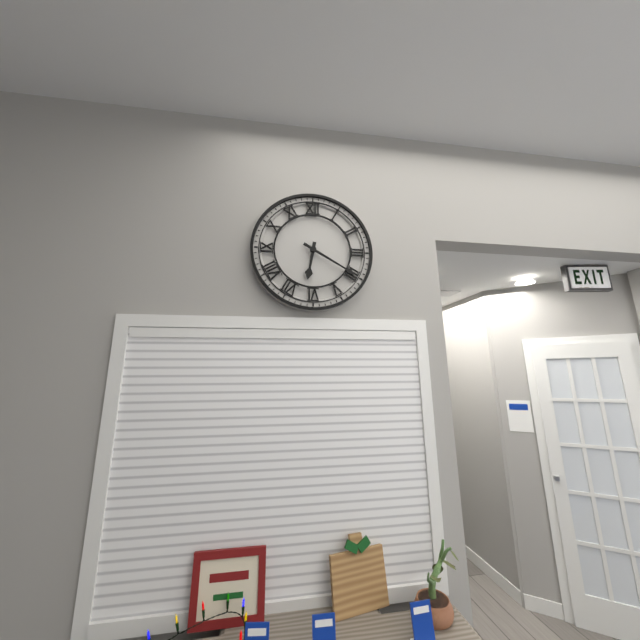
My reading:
h=6 m=20
